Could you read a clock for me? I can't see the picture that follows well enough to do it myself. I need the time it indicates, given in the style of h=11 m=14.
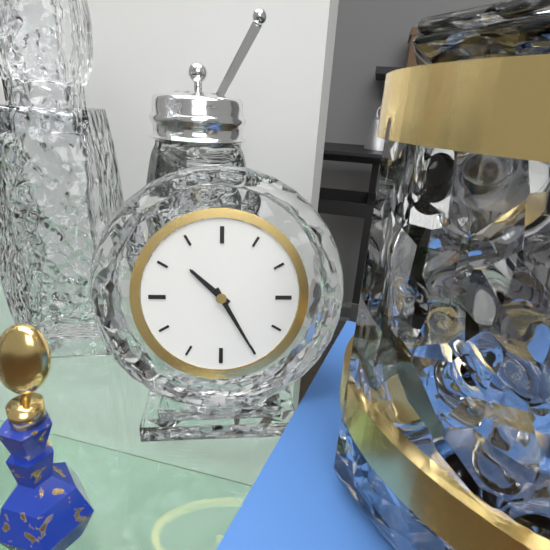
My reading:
h=10 m=25
